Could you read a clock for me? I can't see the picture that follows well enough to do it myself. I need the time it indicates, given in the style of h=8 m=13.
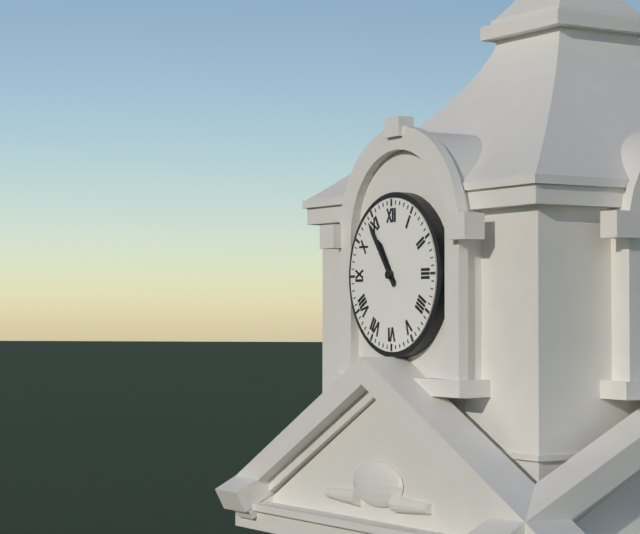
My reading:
h=10 m=54
